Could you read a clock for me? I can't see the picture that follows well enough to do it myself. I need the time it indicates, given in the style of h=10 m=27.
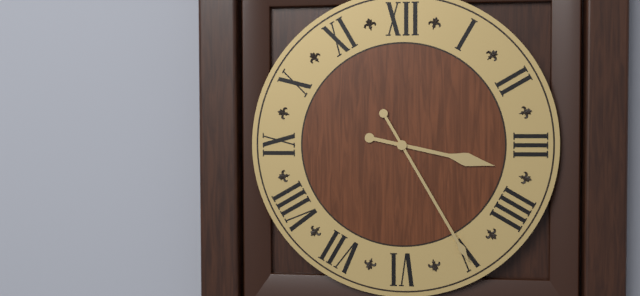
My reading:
h=3 m=25
